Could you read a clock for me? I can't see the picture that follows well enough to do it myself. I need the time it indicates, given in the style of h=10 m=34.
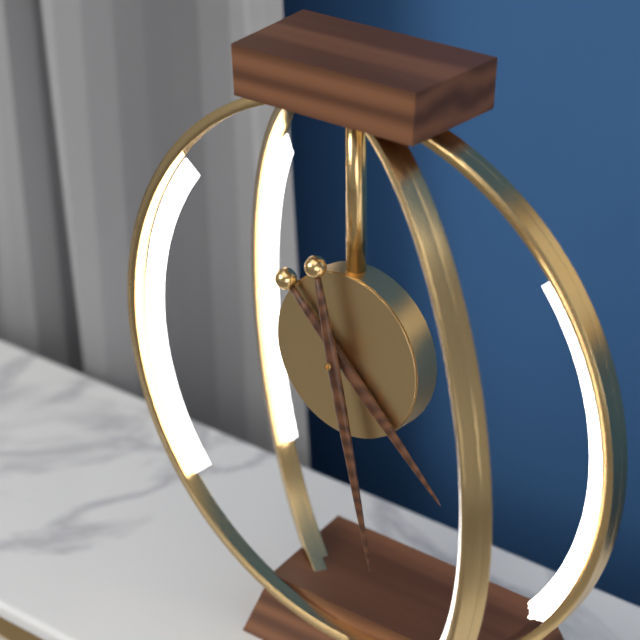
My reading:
h=4 m=28
